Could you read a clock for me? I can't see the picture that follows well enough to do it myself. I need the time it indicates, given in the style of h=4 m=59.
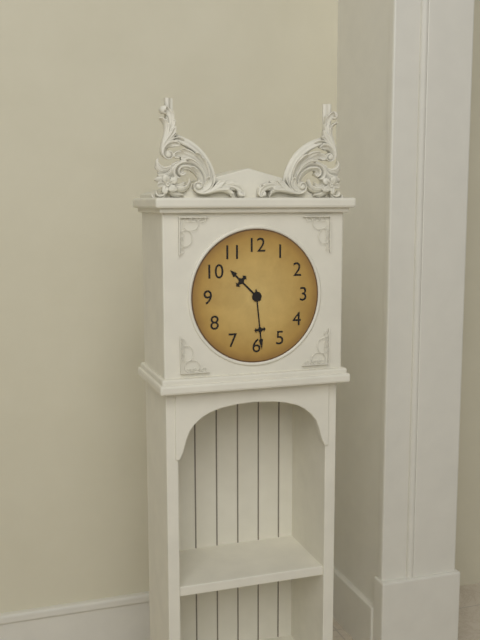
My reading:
h=10 m=29
